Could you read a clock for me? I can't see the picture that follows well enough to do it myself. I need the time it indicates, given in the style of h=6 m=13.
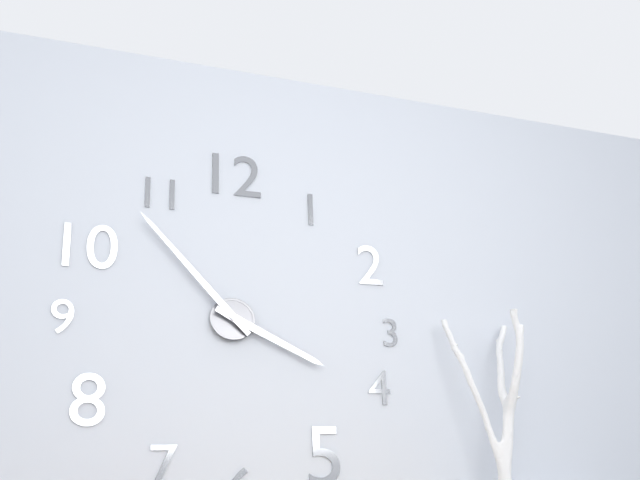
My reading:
h=3 m=53
